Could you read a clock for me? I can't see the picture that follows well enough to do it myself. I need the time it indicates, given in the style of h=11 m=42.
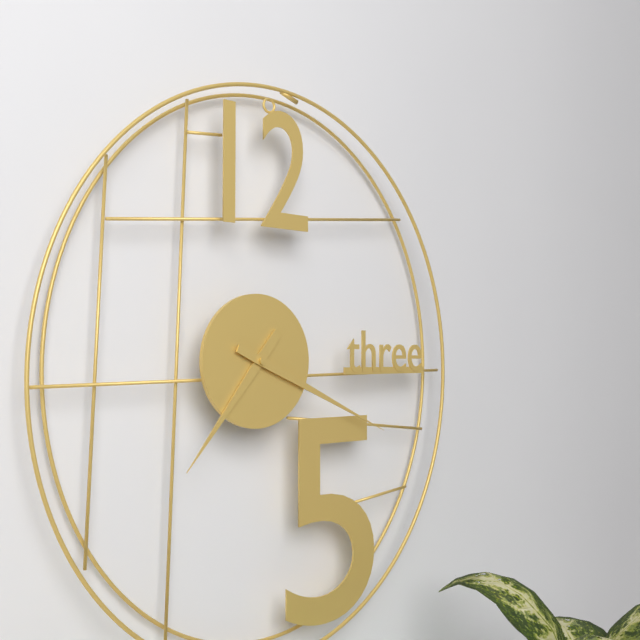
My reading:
h=7 m=19
